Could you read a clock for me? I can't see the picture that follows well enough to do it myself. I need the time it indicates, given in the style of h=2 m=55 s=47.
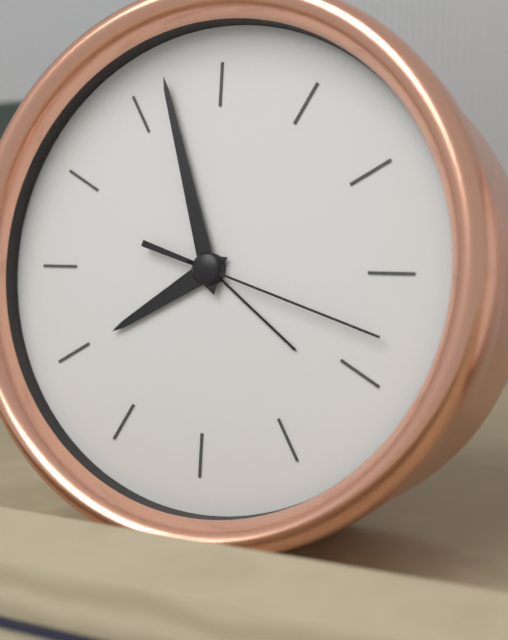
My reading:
h=7 m=57 s=18
